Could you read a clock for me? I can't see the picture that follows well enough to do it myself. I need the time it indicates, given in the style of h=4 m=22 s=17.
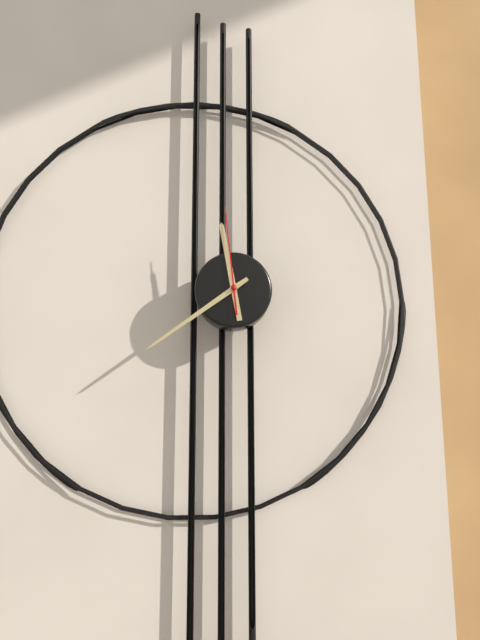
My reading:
h=11 m=39 s=59
